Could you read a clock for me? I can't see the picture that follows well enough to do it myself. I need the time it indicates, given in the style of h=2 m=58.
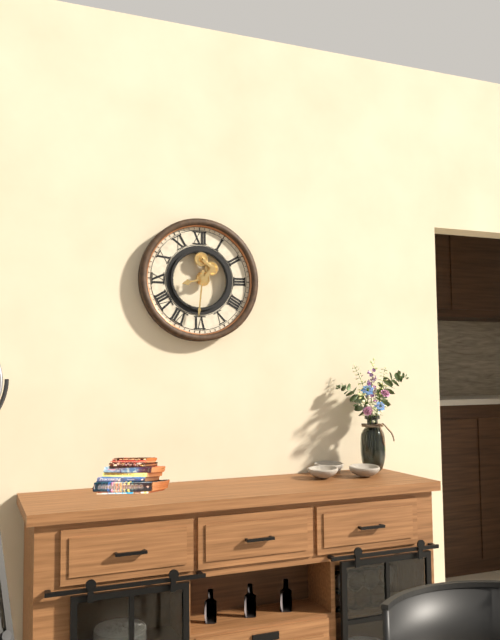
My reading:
h=8 m=31
